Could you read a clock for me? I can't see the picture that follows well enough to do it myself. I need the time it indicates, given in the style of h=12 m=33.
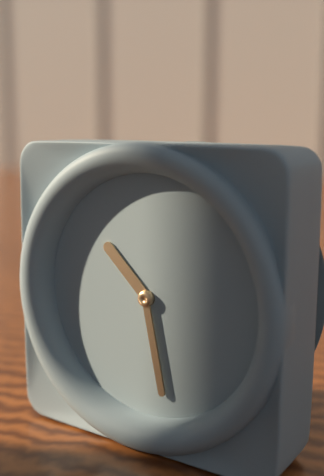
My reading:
h=10 m=28
